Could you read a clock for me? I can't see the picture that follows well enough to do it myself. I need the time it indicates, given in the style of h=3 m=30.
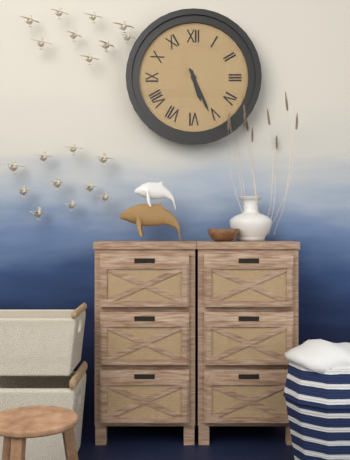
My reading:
h=5 m=26
